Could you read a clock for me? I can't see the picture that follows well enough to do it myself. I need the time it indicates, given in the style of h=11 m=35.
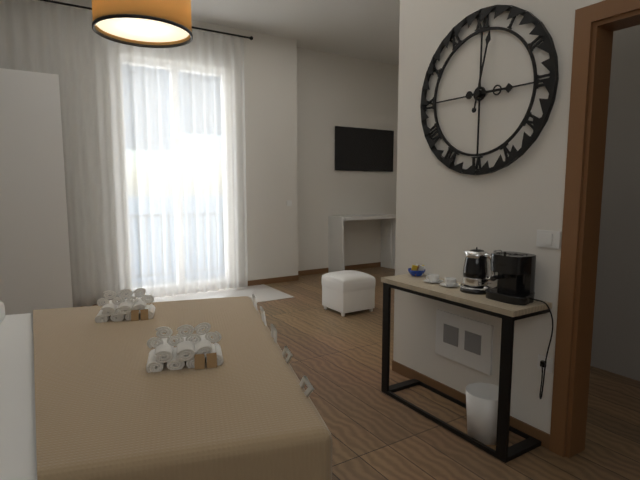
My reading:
h=3 m=2
